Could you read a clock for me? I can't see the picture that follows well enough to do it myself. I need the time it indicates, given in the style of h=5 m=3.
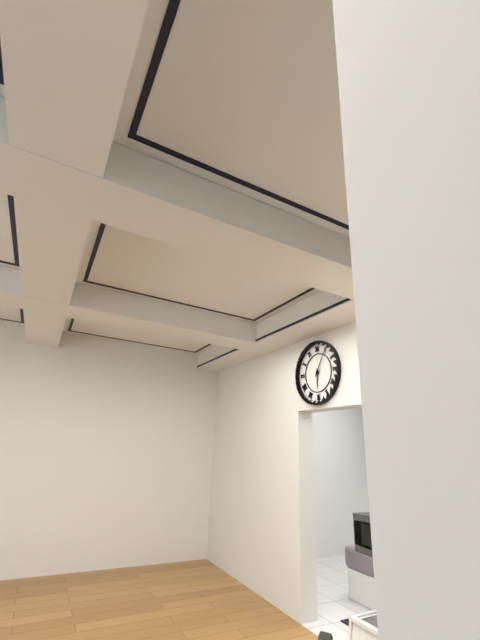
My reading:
h=6 m=5
